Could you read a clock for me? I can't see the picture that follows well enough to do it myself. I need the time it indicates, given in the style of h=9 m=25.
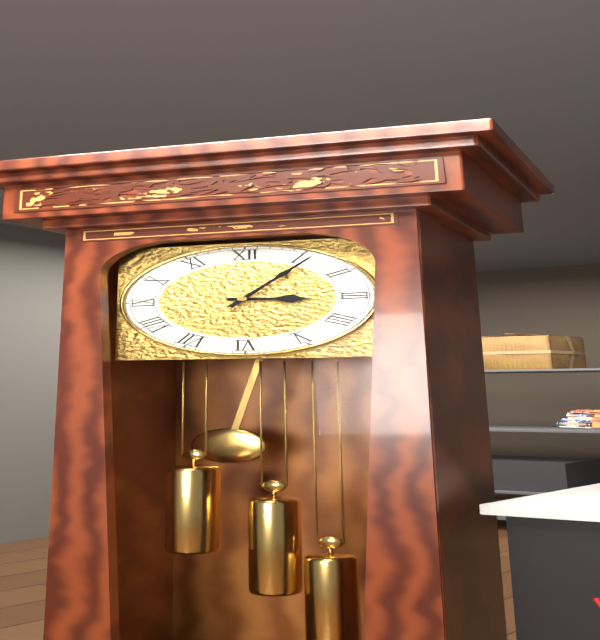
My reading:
h=3 m=6
